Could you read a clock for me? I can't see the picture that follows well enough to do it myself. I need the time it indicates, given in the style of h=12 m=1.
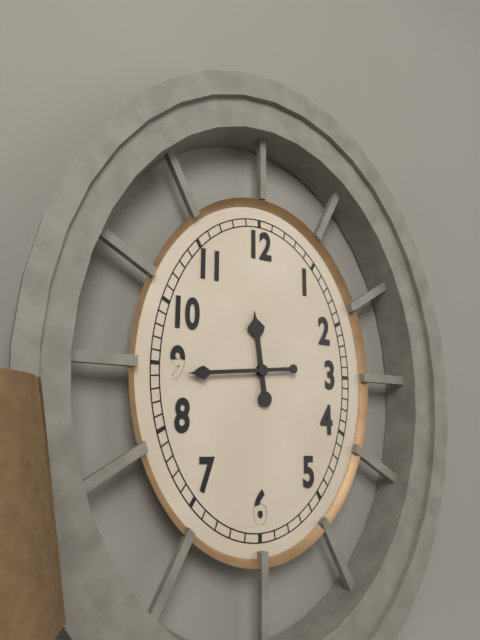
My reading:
h=11 m=44
